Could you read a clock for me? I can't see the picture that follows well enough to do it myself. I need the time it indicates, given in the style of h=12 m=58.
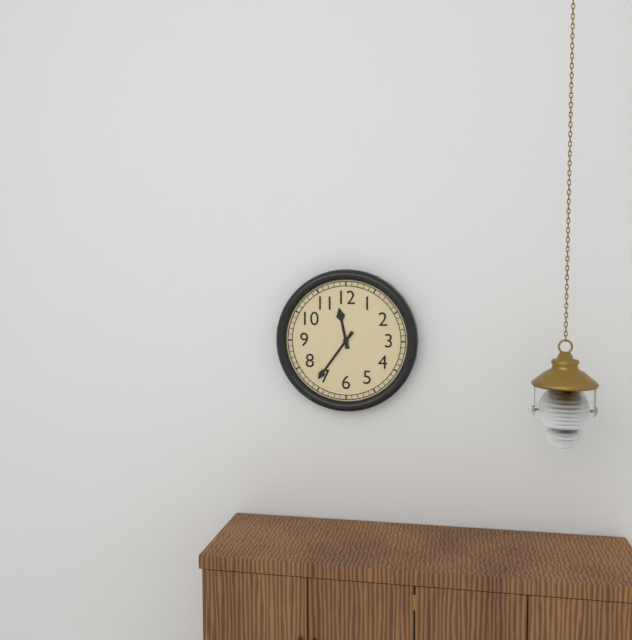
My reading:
h=11 m=36
